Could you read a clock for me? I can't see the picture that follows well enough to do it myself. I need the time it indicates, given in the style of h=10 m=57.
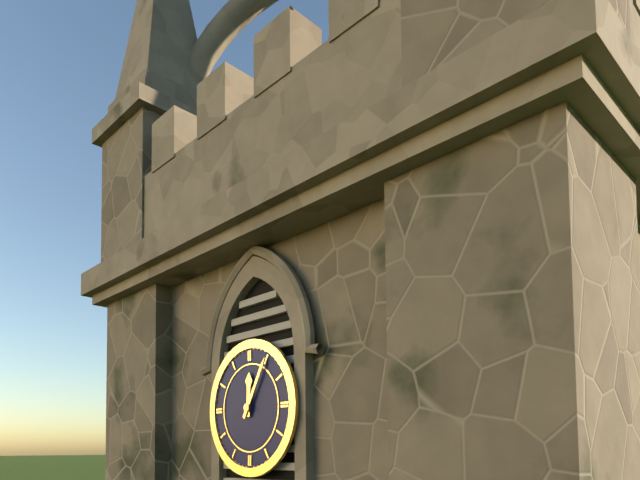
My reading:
h=12 m=5
